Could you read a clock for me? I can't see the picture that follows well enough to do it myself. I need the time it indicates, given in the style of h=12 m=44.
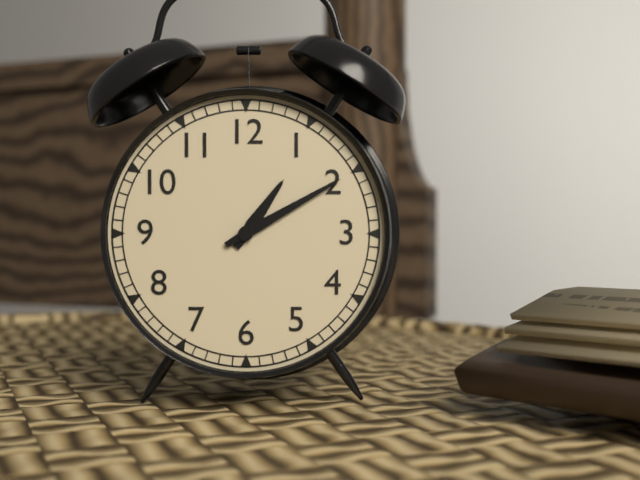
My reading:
h=1 m=10
